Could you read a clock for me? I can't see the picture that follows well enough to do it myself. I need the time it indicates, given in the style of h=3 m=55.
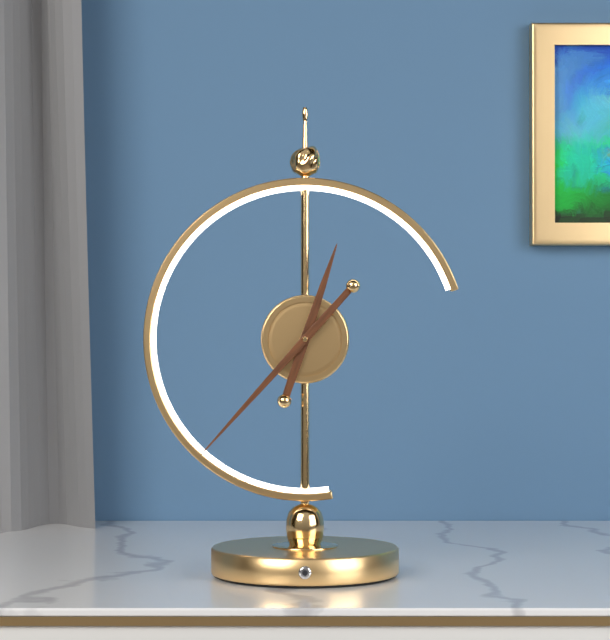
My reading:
h=12 m=37
